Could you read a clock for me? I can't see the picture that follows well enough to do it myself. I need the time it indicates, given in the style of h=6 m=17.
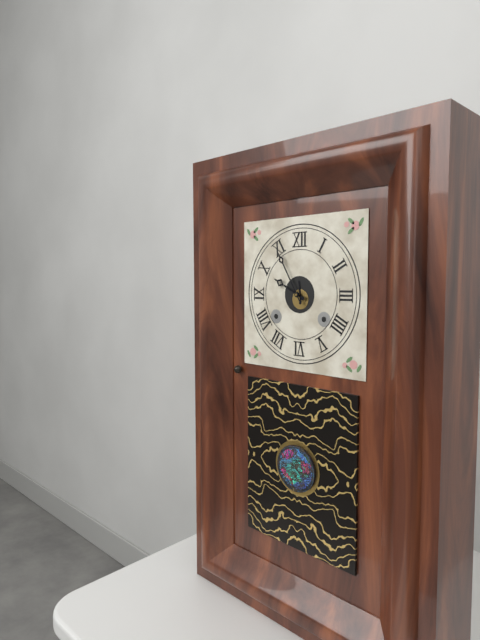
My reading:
h=9 m=55
